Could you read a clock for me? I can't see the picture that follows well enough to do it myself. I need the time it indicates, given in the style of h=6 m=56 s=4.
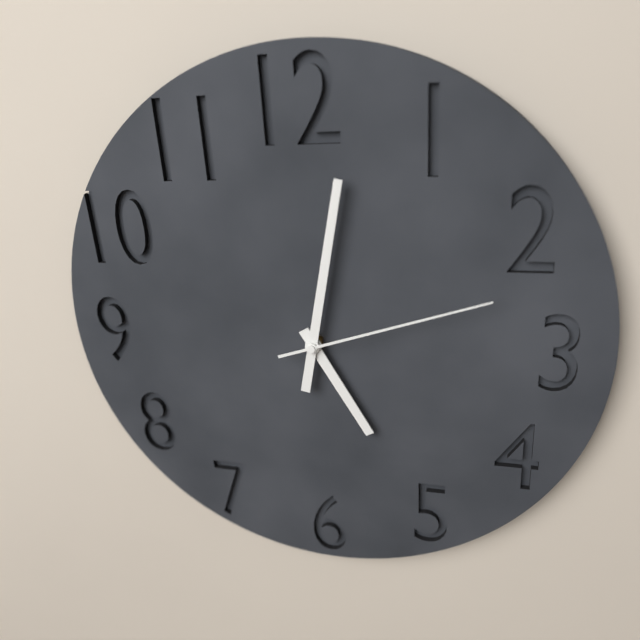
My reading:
h=5 m=2 s=12
